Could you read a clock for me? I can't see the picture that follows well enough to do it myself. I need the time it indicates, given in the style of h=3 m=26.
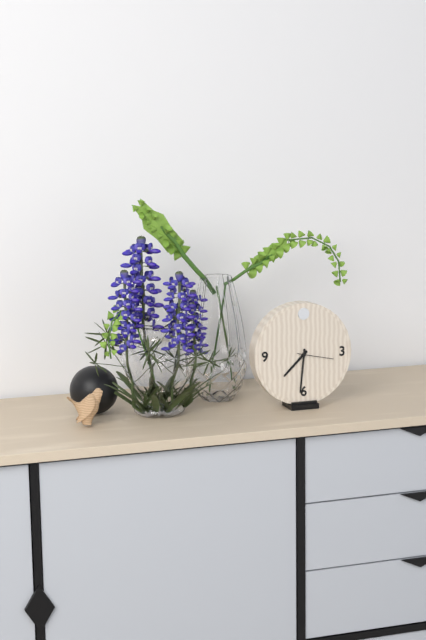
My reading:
h=7 m=31
